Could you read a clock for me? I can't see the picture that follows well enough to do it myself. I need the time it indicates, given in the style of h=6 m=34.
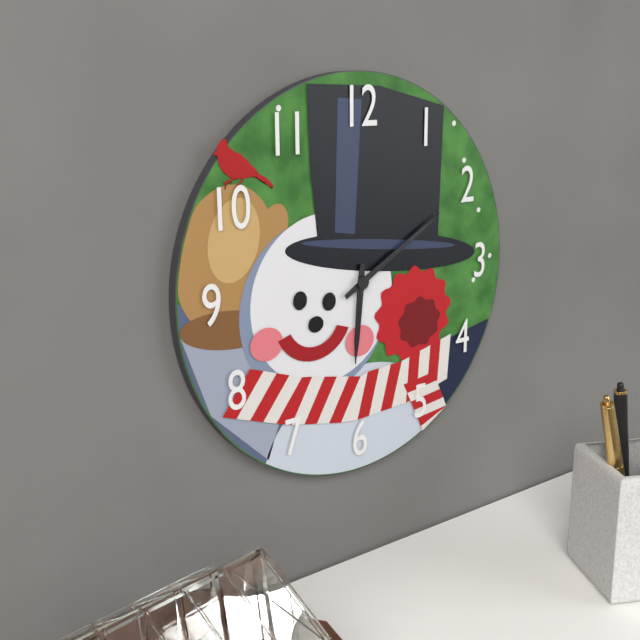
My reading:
h=6 m=10
